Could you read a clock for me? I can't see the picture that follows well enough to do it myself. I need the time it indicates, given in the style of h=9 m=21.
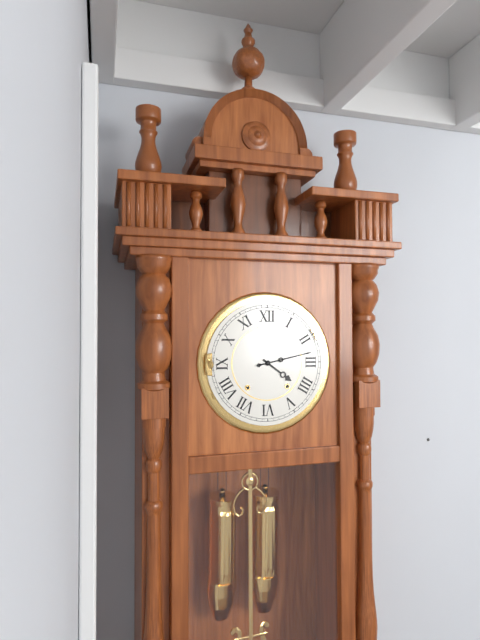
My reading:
h=4 m=13
